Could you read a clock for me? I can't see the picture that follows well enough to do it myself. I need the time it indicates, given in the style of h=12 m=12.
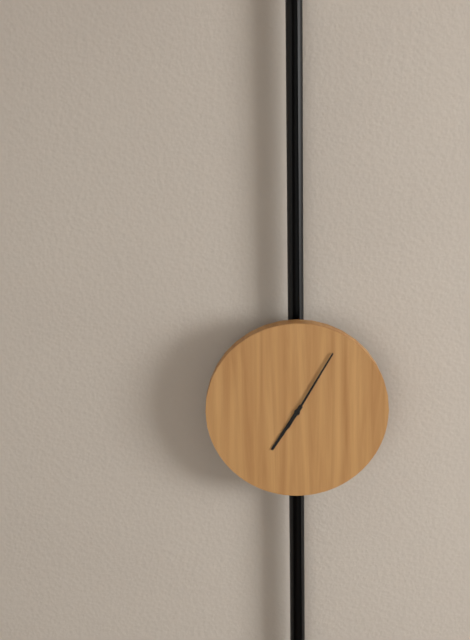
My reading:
h=7 m=5
